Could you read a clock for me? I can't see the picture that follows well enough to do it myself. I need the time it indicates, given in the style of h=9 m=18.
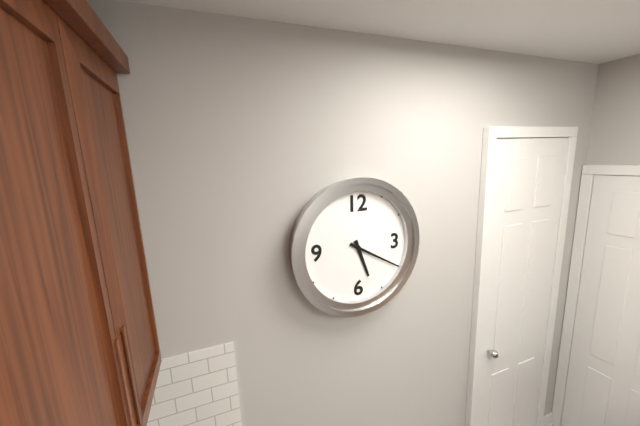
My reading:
h=5 m=20
